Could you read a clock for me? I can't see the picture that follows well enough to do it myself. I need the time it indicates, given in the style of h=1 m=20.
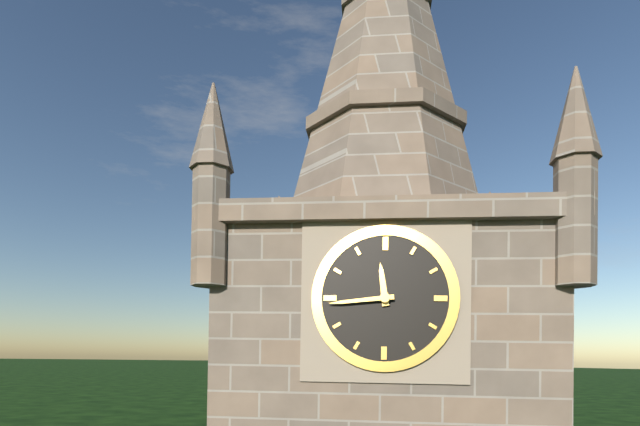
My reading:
h=11 m=44
